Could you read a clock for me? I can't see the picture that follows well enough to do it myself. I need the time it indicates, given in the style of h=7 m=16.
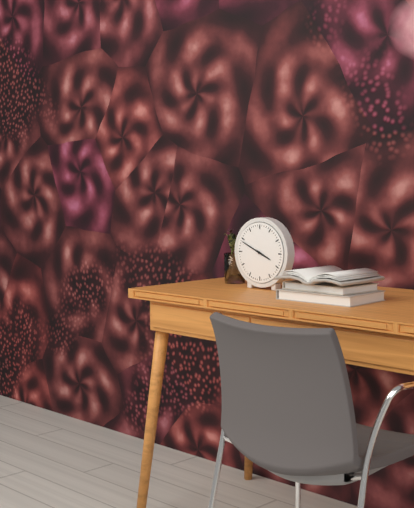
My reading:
h=3 m=49
